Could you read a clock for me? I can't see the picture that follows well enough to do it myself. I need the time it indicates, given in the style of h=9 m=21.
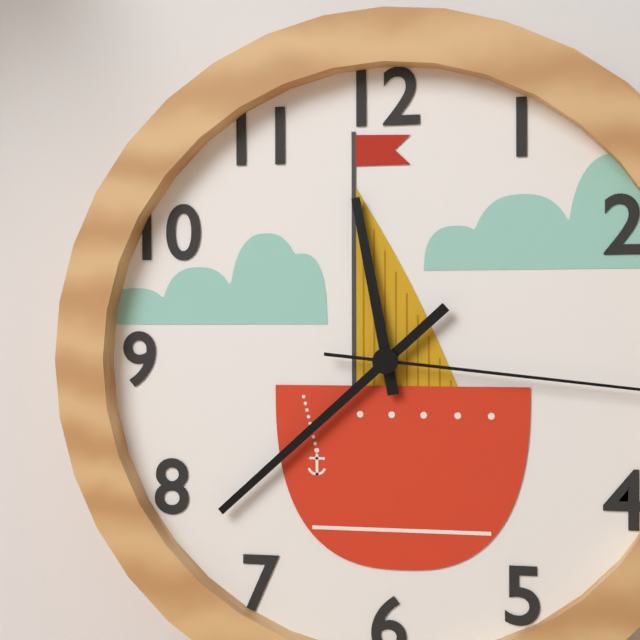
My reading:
h=11 m=38
